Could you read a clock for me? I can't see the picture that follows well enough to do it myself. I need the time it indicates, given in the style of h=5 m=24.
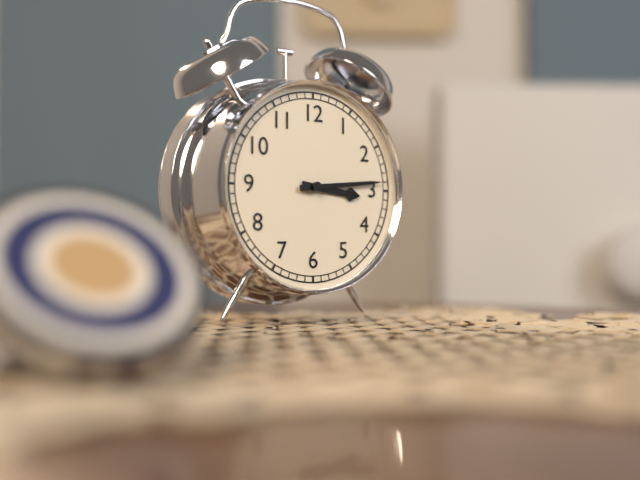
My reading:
h=3 m=14
